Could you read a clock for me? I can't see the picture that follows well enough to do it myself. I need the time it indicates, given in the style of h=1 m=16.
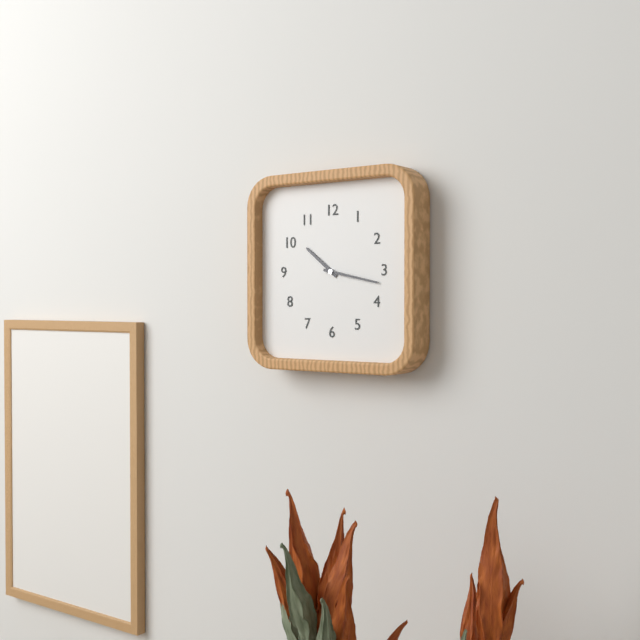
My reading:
h=10 m=17
